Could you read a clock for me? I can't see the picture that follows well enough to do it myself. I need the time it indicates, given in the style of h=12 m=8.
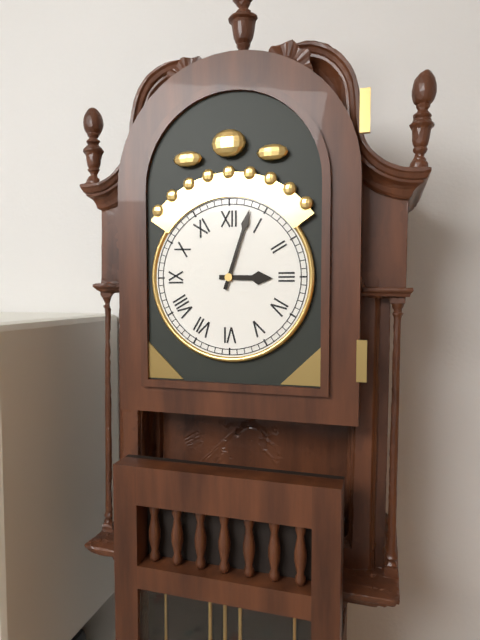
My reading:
h=3 m=3
